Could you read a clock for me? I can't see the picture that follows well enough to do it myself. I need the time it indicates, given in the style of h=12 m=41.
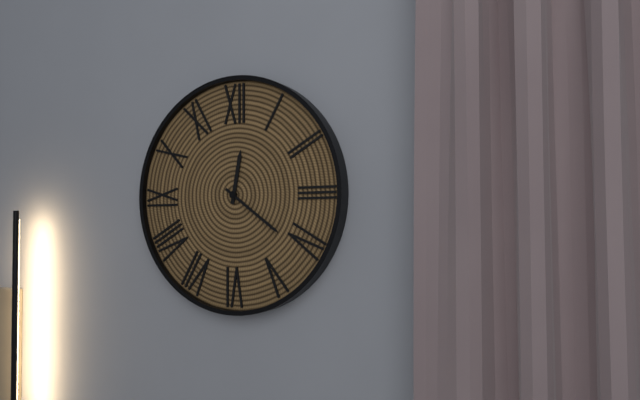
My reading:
h=12 m=21
